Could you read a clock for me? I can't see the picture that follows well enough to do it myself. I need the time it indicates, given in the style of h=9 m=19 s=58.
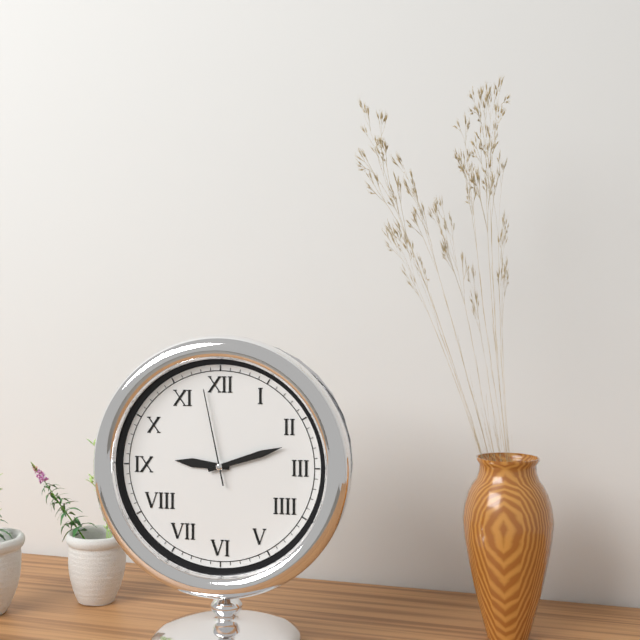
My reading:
h=9 m=12 s=58
